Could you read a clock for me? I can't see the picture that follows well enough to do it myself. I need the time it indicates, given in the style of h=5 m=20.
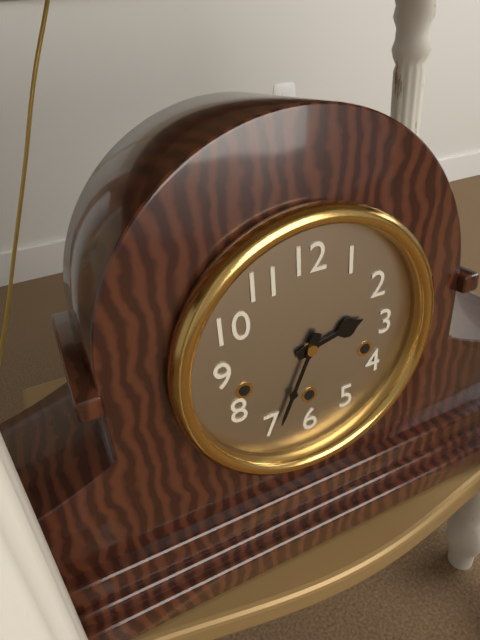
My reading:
h=2 m=34
